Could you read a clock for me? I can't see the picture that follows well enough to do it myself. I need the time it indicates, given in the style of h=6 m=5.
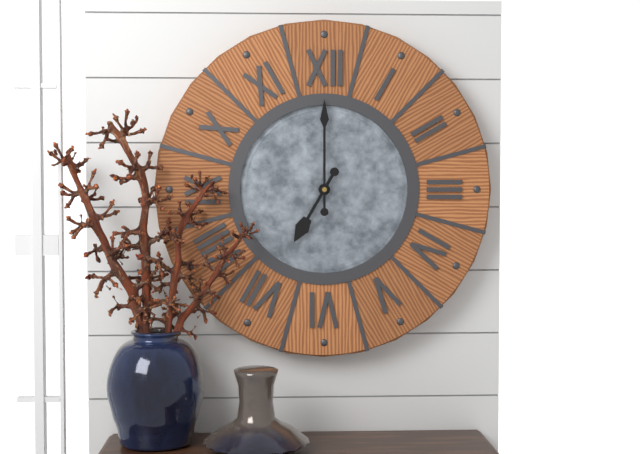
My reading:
h=7 m=0
